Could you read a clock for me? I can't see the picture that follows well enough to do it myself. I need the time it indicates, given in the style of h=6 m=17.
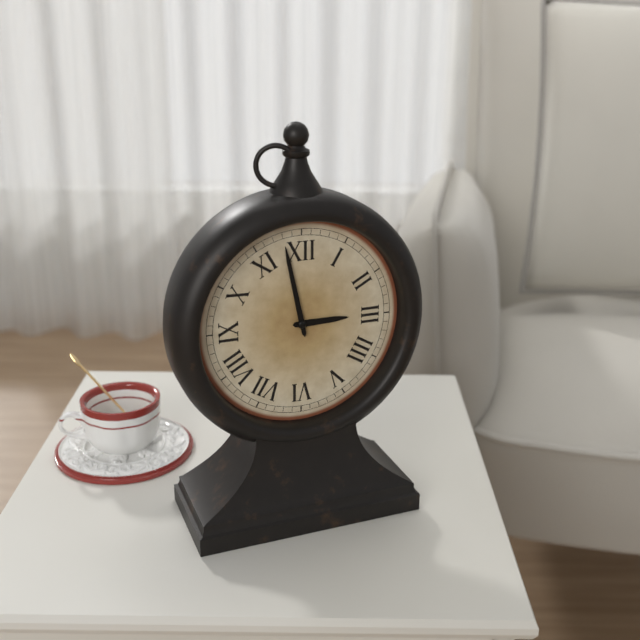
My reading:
h=2 m=58
